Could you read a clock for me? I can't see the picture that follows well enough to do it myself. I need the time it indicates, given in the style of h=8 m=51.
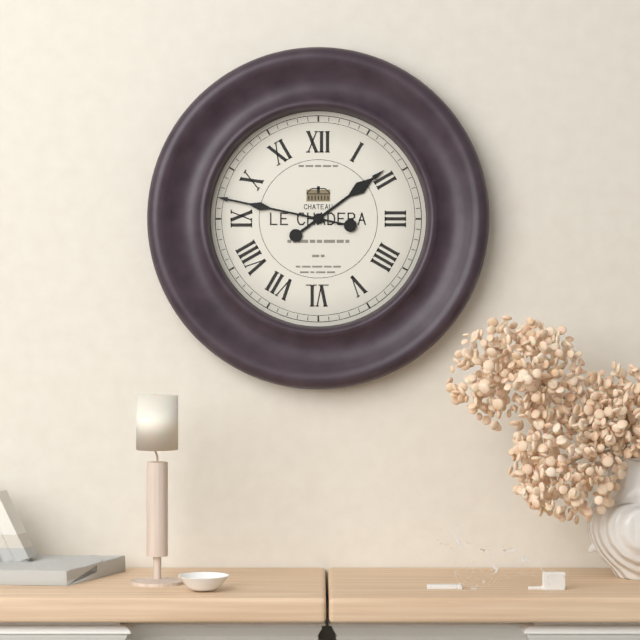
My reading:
h=1 m=47
